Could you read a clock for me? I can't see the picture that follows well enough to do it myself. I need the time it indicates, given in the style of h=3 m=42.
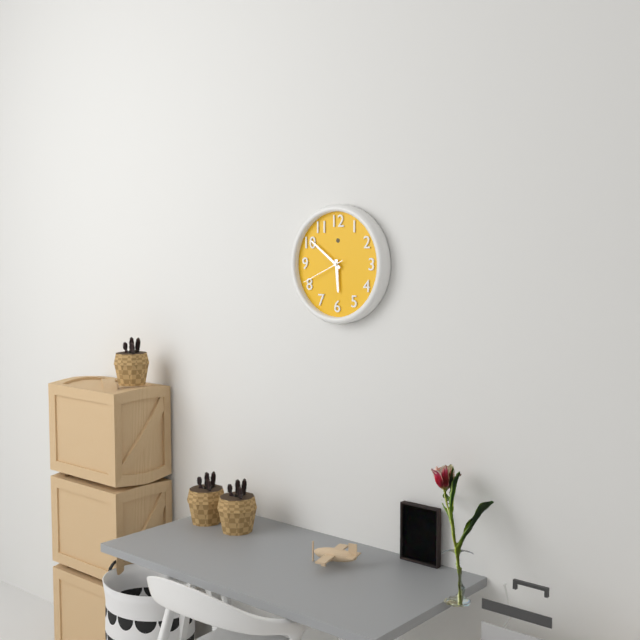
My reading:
h=5 m=51
